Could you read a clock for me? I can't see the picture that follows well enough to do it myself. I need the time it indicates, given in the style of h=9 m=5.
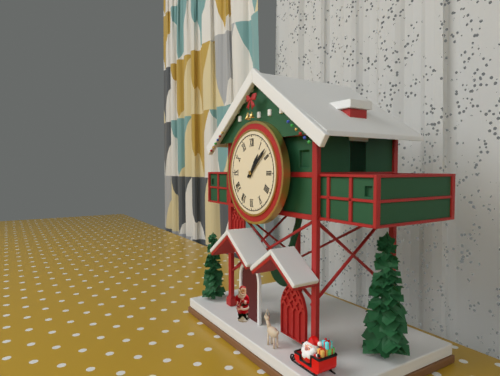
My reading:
h=1 m=8
